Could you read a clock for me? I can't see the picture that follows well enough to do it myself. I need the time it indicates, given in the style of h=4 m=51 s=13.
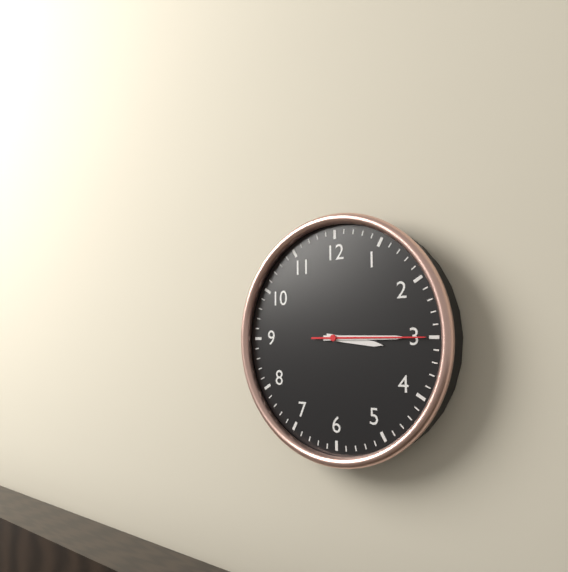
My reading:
h=3 m=15 s=15
